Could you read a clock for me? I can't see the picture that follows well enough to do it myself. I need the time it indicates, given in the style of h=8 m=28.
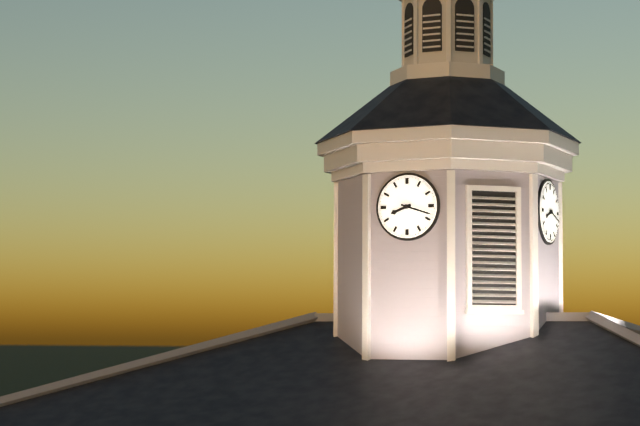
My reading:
h=8 m=18
